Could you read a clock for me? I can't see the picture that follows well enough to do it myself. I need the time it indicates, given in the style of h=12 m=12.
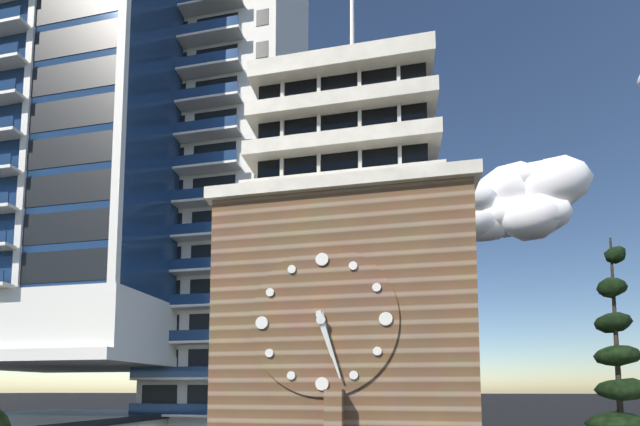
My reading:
h=5 m=27
